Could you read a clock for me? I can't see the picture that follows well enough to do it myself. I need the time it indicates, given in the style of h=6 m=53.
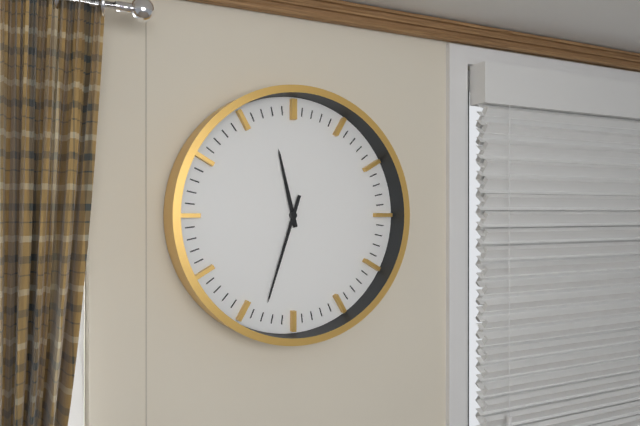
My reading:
h=11 m=33
